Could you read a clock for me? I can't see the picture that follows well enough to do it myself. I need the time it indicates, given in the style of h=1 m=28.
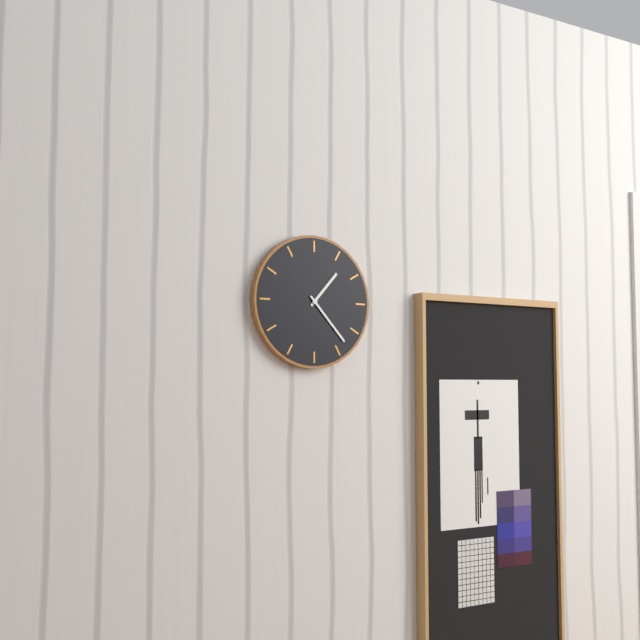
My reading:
h=1 m=23
